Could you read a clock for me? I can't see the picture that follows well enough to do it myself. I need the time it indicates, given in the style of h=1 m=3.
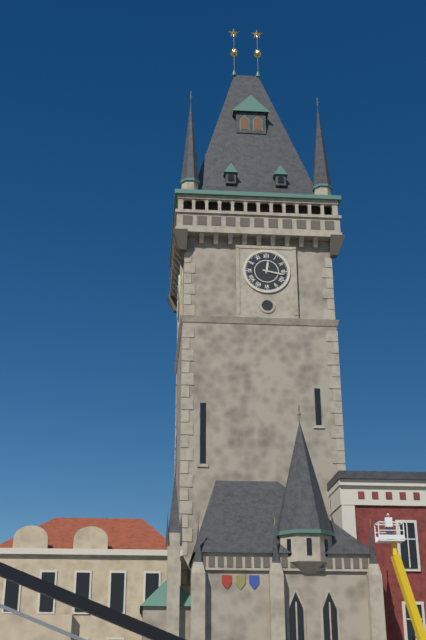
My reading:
h=12 m=17
